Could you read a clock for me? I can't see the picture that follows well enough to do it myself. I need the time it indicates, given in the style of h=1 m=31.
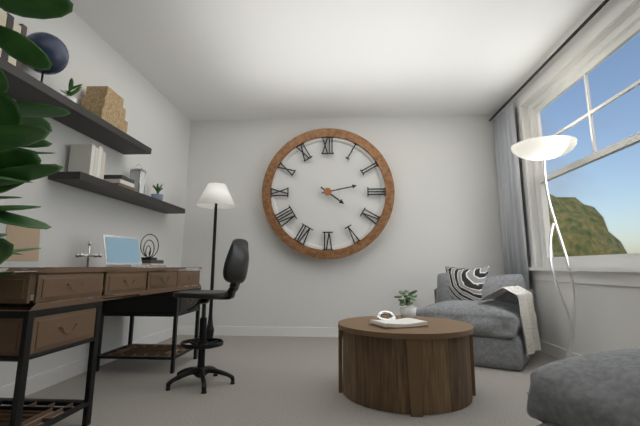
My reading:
h=4 m=13
